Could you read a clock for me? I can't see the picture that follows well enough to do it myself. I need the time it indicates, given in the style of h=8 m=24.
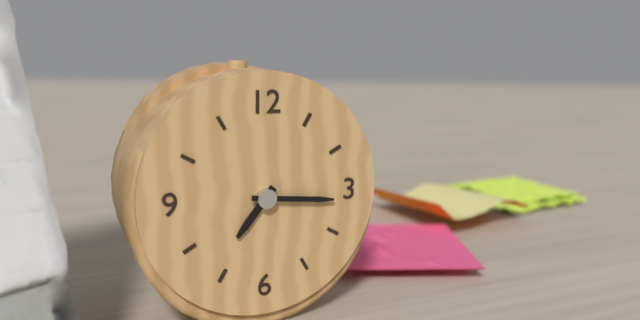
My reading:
h=7 m=16
